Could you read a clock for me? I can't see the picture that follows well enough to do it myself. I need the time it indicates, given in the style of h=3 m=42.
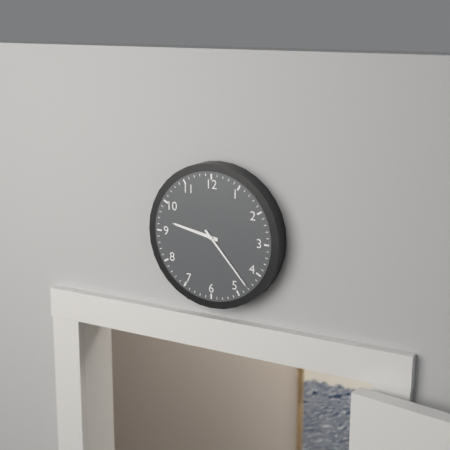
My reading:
h=9 m=23
